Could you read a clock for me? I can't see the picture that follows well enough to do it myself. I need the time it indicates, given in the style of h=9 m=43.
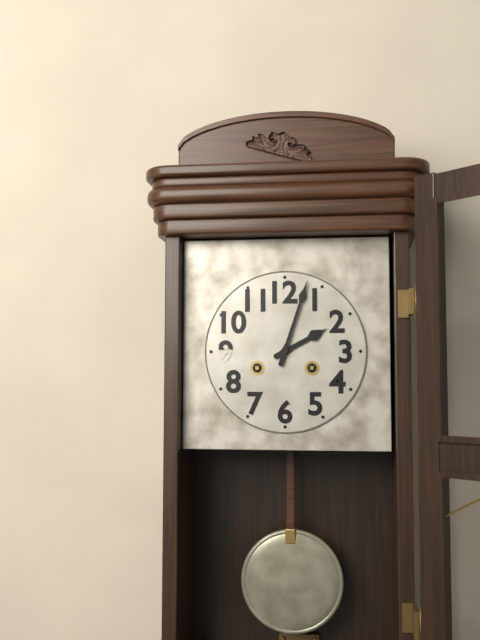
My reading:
h=2 m=3
